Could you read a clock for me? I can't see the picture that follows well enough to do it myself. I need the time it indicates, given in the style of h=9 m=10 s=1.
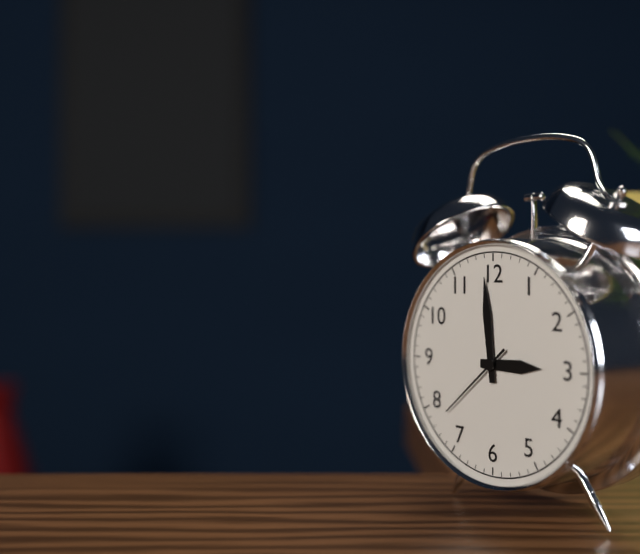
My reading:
h=2 m=59 s=38
